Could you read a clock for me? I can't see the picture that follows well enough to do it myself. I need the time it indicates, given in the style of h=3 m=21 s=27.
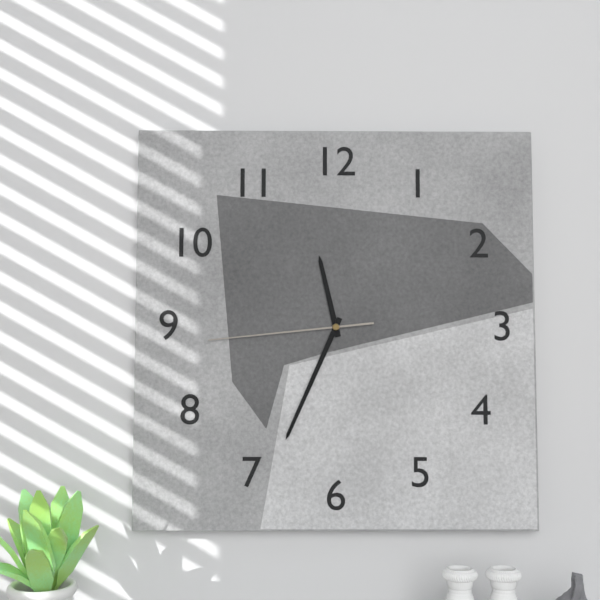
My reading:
h=11 m=34 s=44
